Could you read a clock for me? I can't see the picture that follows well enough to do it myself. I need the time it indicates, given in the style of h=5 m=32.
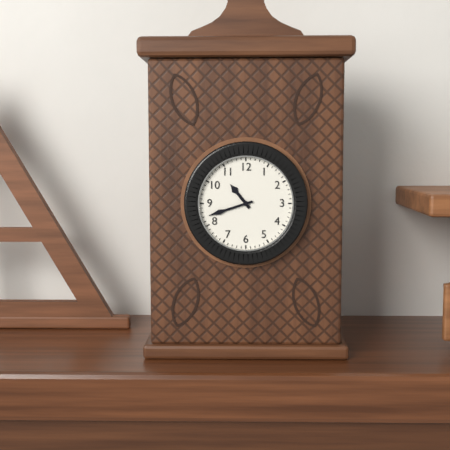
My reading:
h=10 m=42
